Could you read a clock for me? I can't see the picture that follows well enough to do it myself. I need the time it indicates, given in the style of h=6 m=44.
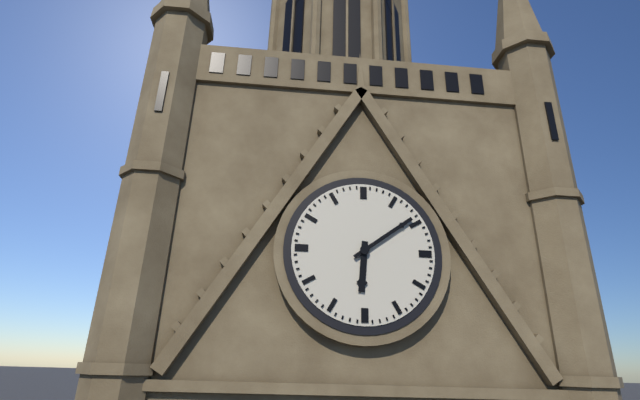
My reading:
h=6 m=9
